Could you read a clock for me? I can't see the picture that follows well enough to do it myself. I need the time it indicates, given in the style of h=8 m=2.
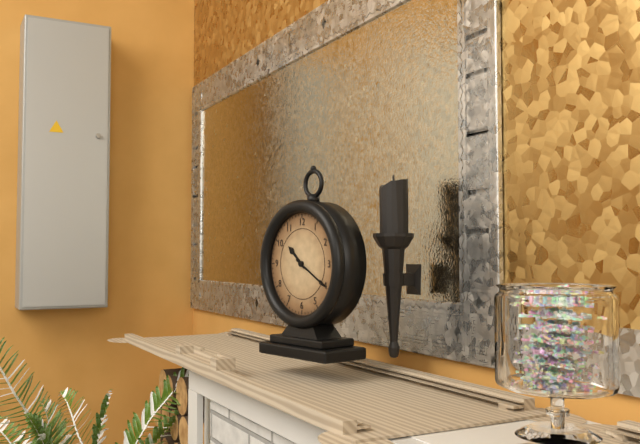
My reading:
h=10 m=20
